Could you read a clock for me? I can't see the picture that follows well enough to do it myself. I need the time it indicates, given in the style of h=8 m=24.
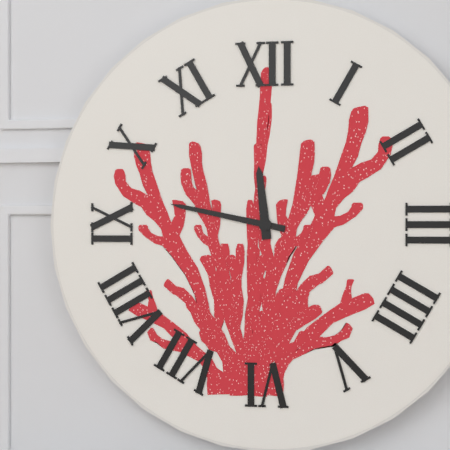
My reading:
h=11 m=47
